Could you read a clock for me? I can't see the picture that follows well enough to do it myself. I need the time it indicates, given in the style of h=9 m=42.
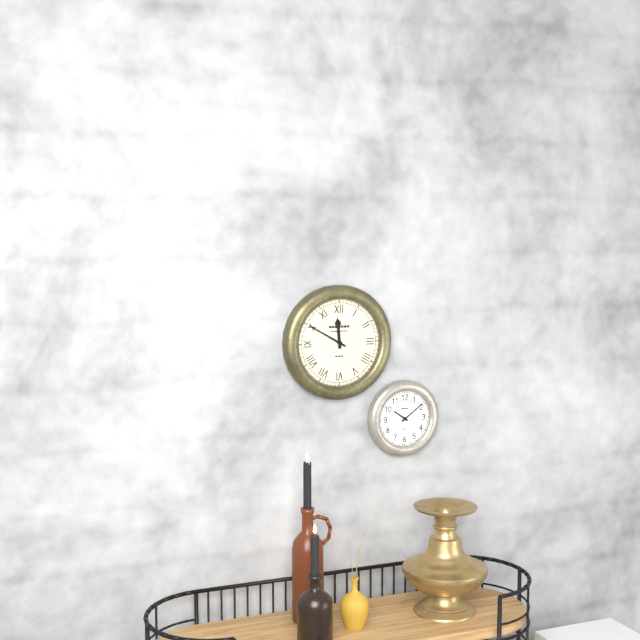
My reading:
h=11 m=50
